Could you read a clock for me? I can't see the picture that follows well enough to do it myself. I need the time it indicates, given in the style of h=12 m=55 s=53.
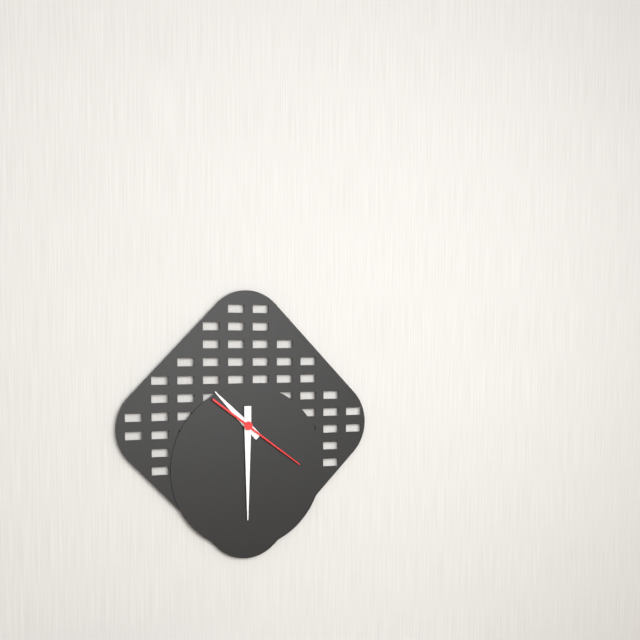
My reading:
h=10 m=30 s=21
